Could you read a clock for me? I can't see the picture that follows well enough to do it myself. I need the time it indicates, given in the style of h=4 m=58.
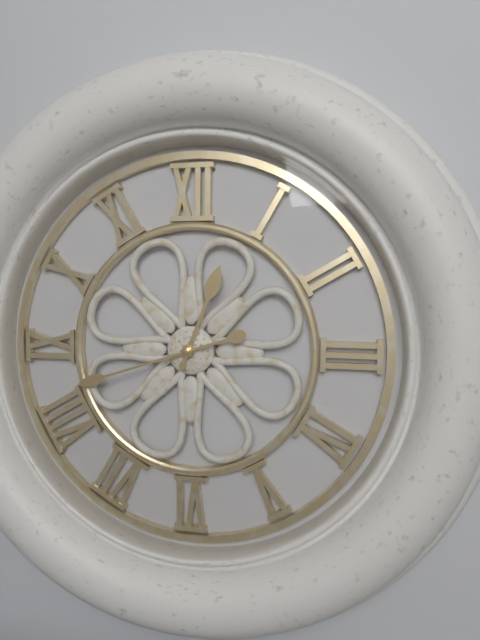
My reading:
h=12 m=42
